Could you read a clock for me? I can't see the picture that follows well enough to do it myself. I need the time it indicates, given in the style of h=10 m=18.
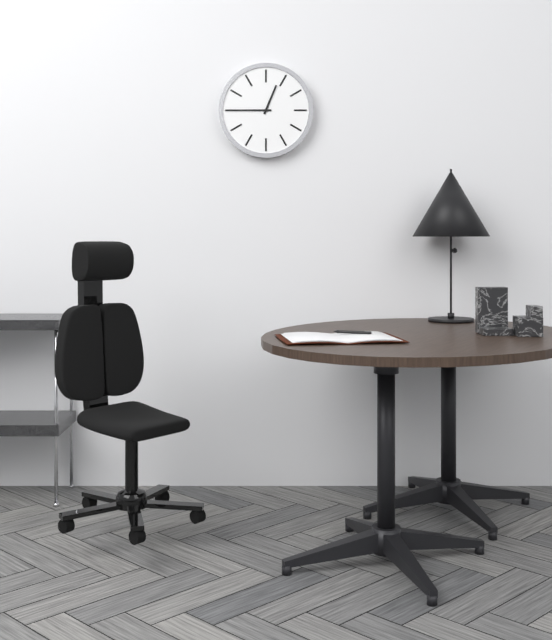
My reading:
h=12 m=45
